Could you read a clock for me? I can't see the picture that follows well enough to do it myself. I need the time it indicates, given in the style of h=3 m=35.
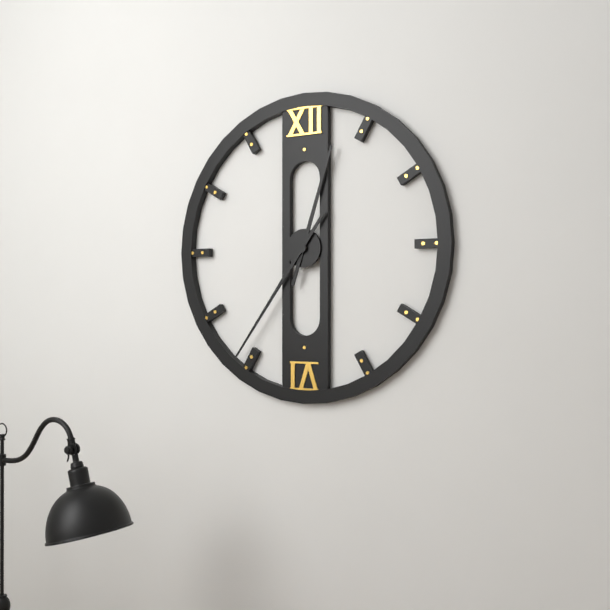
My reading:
h=12 m=36
